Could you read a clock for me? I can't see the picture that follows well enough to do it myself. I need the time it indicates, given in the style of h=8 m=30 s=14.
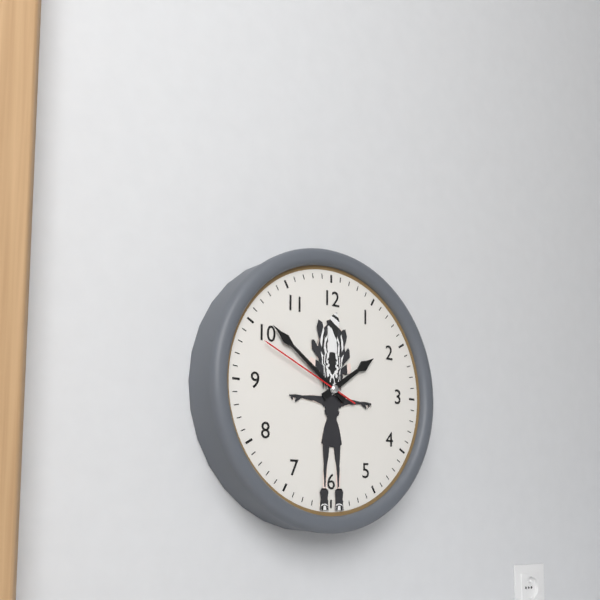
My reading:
h=1 m=51 s=49
